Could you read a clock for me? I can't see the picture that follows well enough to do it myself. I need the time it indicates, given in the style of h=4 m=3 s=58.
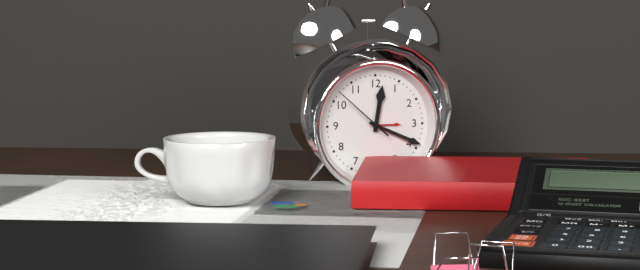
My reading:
h=12 m=19 s=52
